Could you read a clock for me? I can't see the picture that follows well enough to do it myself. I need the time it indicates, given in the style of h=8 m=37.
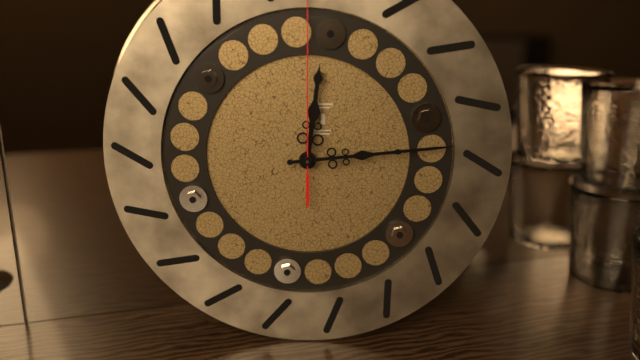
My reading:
h=12 m=14
